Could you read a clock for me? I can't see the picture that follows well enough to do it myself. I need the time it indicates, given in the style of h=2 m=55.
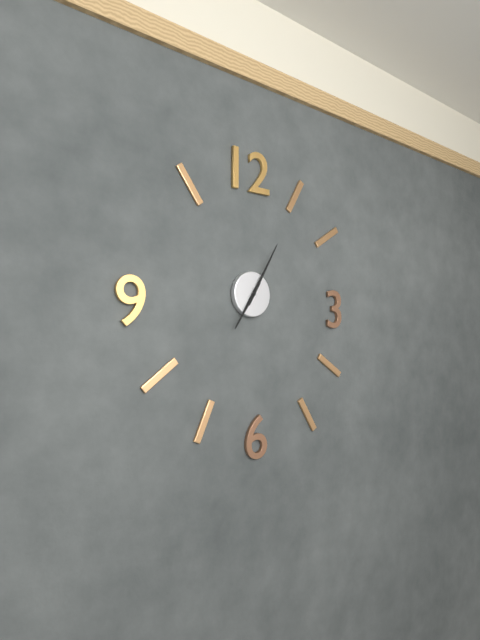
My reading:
h=7 m=5
